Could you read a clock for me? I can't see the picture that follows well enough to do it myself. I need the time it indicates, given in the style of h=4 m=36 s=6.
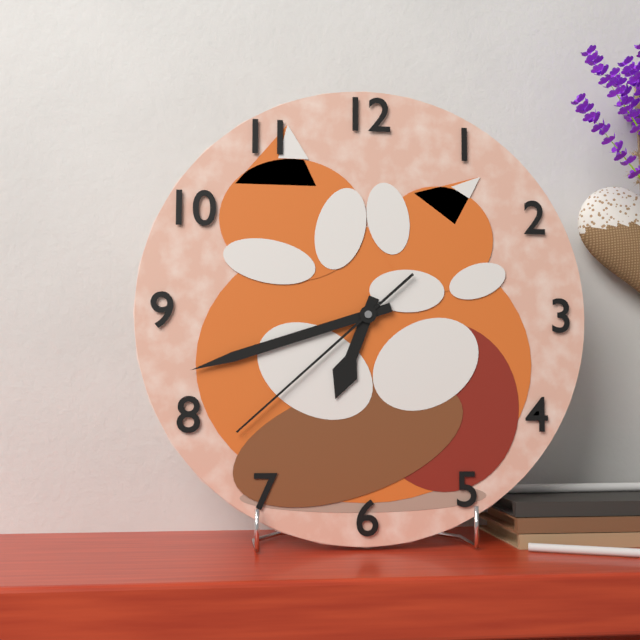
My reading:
h=6 m=42 s=38
